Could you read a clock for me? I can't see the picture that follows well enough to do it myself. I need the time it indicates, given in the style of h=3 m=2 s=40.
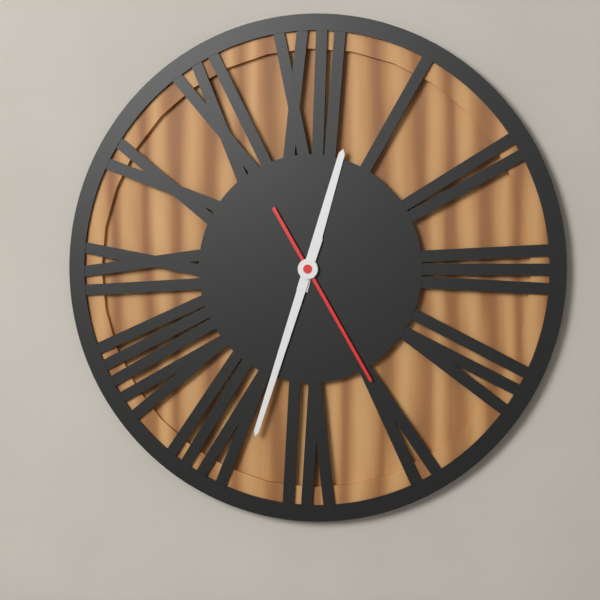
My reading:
h=12 m=33 s=25
